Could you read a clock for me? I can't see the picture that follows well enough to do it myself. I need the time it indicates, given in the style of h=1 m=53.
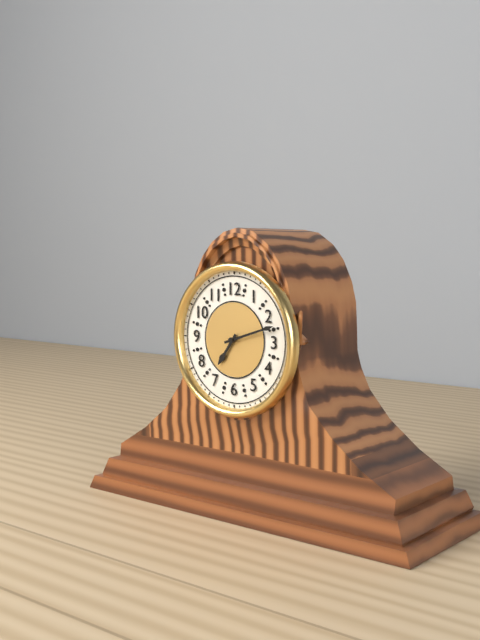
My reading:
h=7 m=12
